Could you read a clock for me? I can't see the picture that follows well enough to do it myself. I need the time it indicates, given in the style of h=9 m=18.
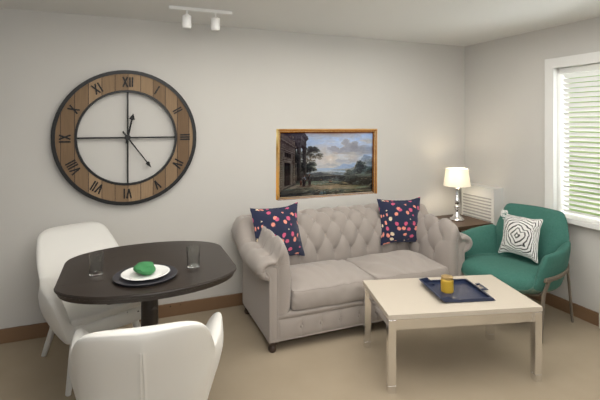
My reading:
h=12 m=24
